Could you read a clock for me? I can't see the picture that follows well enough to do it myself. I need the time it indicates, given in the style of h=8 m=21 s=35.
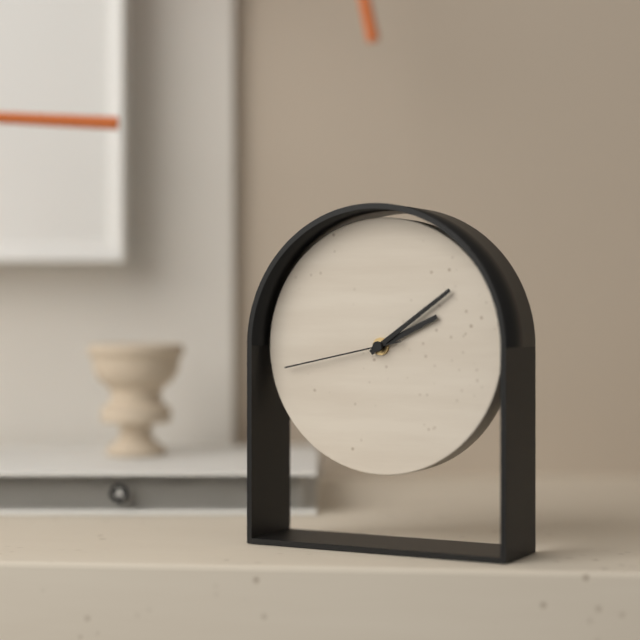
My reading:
h=2 m=9 s=43
